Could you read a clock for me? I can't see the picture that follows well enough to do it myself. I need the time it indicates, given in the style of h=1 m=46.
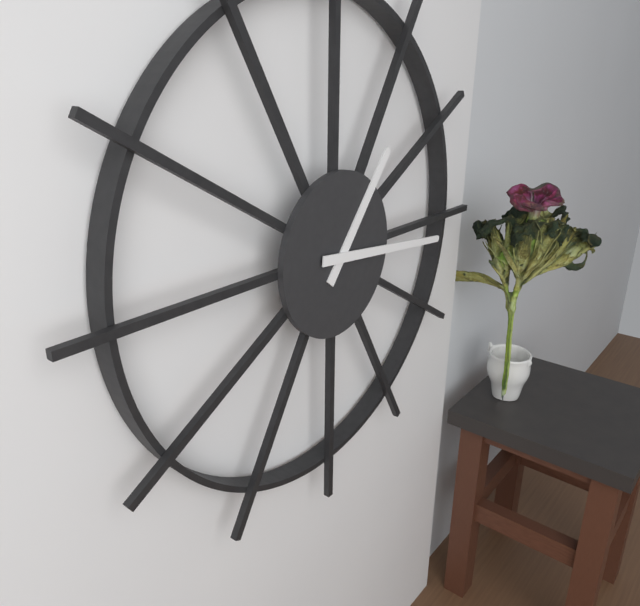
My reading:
h=1 m=16
